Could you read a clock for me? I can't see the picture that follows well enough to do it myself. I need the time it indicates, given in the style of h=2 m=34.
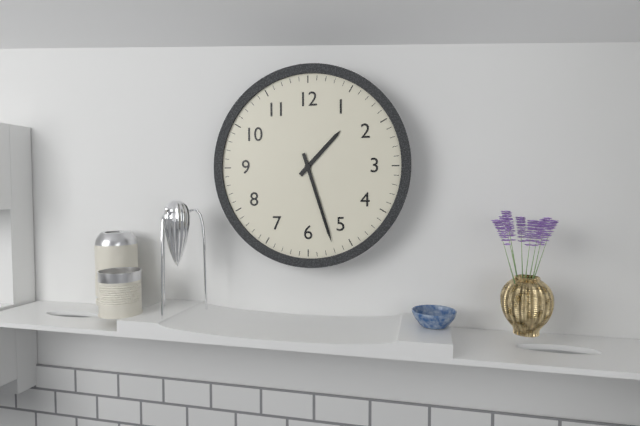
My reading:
h=1 m=27
